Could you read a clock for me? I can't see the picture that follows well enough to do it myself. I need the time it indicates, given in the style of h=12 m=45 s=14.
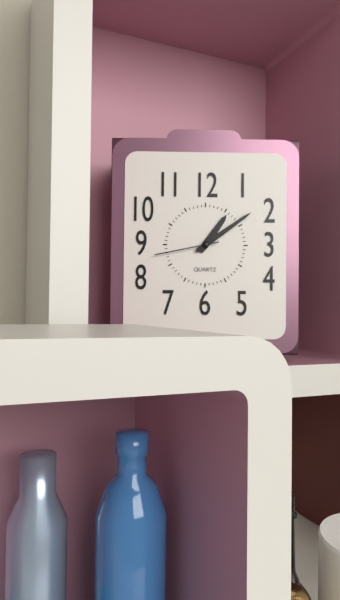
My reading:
h=1 m=9 s=43
